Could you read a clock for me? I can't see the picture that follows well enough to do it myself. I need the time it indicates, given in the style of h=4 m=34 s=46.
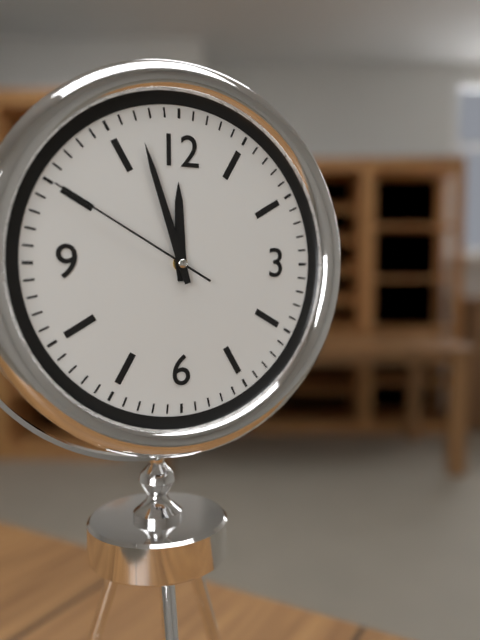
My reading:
h=11 m=57 s=50
